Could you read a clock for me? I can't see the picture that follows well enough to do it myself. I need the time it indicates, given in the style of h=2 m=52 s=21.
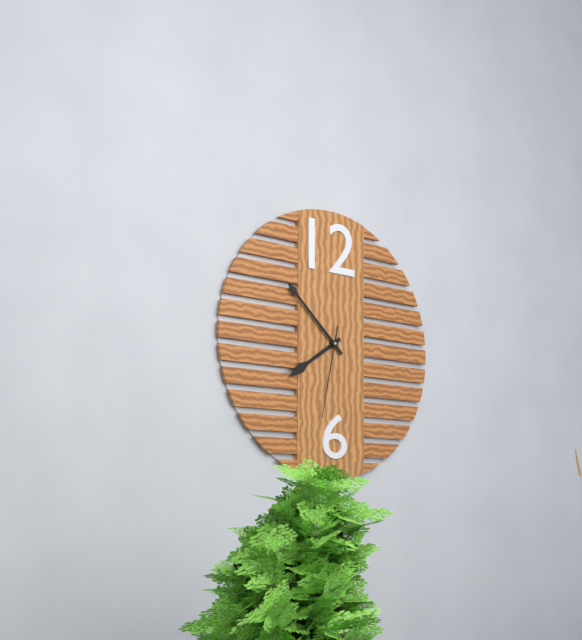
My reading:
h=7 m=52 s=32
